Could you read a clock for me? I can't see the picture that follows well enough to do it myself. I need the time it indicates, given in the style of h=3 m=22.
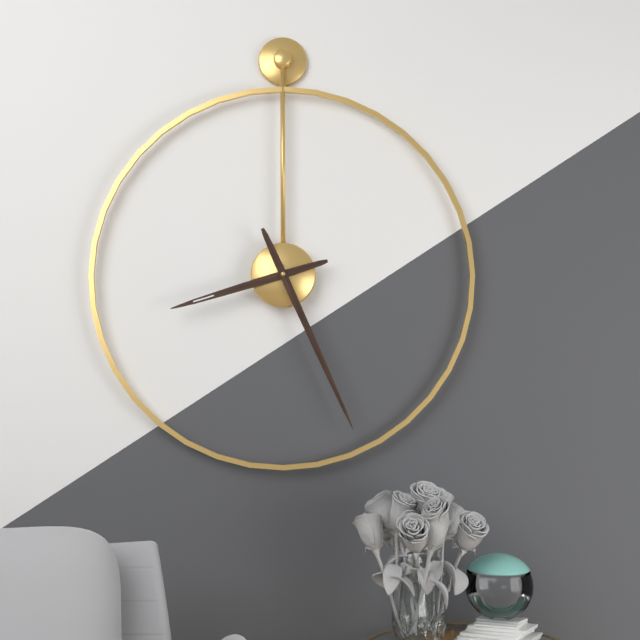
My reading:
h=8 m=26
